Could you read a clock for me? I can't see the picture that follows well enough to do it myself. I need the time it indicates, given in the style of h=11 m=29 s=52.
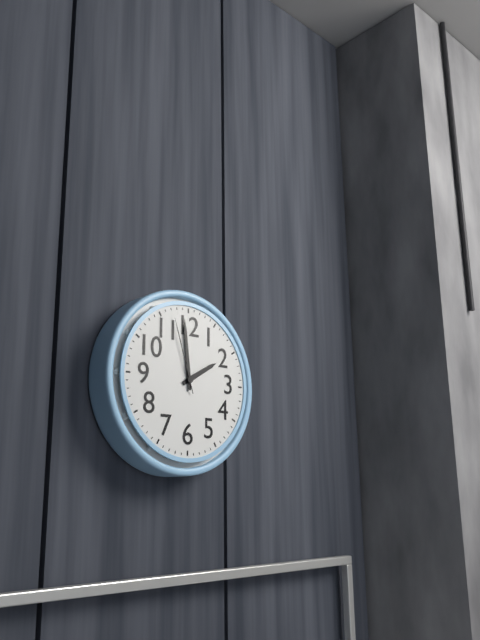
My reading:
h=1 m=59 s=57
